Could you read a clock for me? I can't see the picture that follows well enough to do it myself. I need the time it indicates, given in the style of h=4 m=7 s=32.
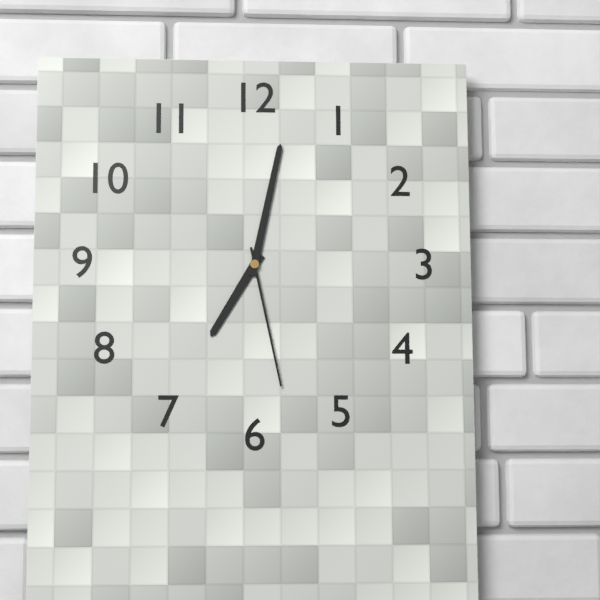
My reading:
h=7 m=2 s=28
